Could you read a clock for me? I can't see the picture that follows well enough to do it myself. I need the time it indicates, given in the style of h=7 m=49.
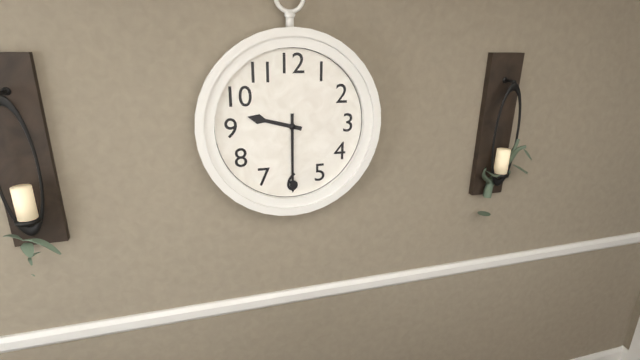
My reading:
h=9 m=30
